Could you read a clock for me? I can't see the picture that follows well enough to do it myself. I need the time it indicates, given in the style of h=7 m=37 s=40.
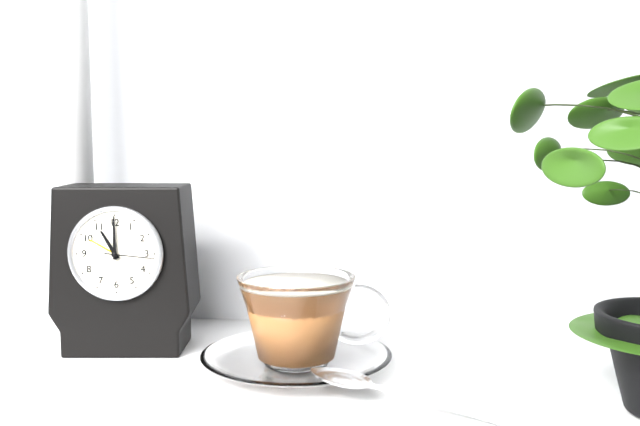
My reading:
h=11 m=0 s=16
